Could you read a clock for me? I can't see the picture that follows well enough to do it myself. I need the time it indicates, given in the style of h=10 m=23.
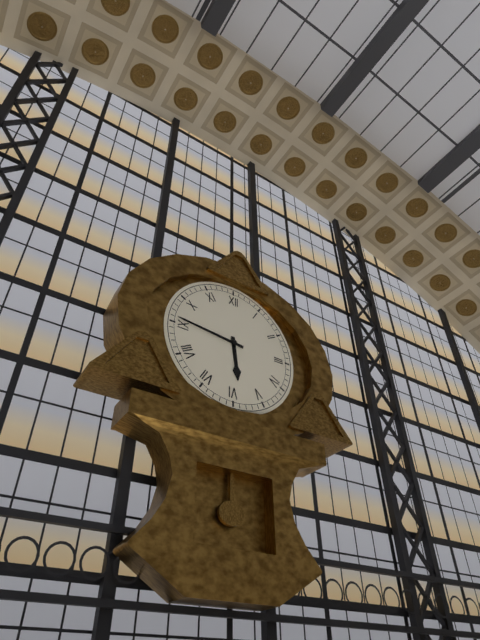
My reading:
h=5 m=46
